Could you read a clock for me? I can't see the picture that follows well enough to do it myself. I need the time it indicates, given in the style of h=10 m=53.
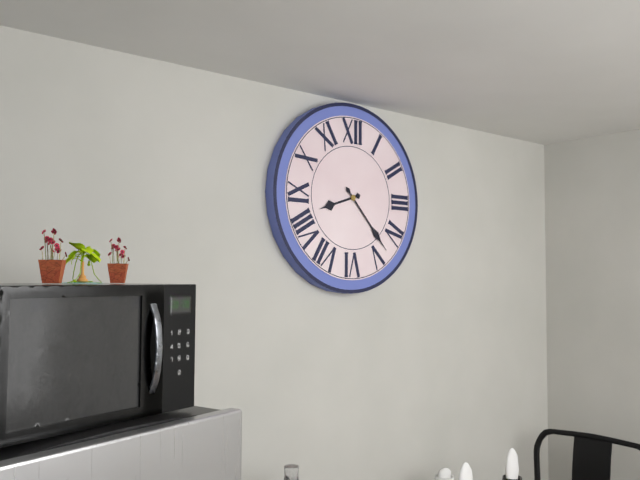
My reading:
h=8 m=23
